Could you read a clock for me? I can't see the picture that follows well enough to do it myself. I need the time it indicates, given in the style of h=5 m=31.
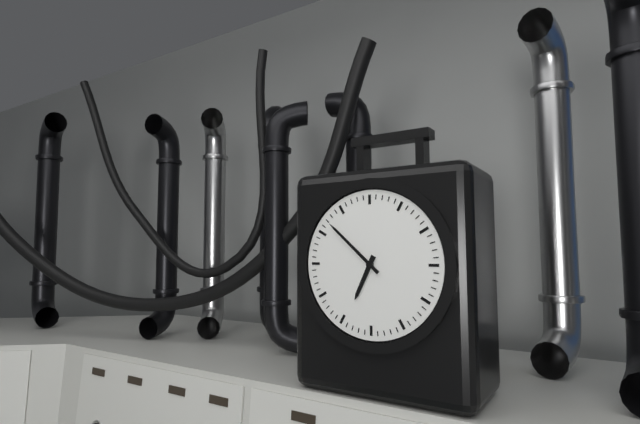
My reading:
h=6 m=52
